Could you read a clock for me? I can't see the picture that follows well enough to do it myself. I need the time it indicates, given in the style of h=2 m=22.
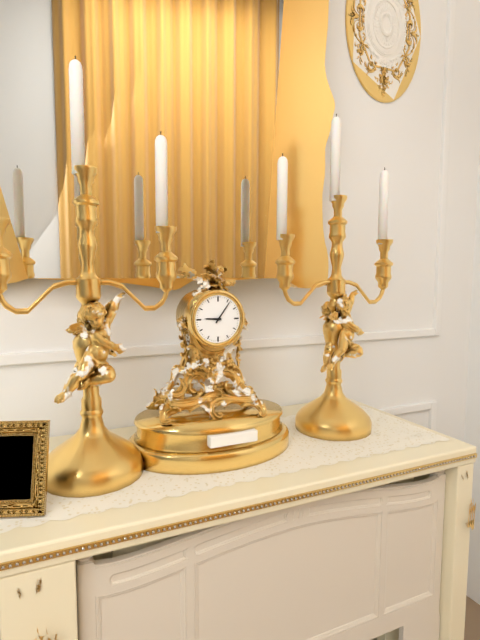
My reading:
h=9 m=6
